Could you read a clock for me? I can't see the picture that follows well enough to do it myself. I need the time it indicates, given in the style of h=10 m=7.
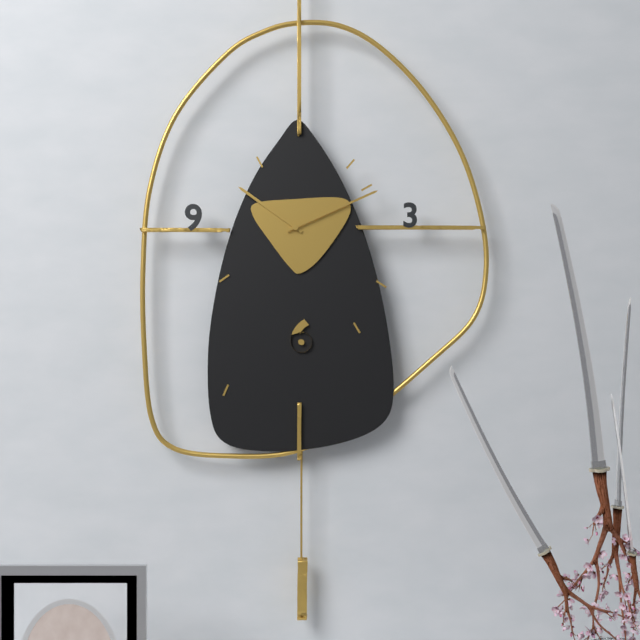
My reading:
h=10 m=11
